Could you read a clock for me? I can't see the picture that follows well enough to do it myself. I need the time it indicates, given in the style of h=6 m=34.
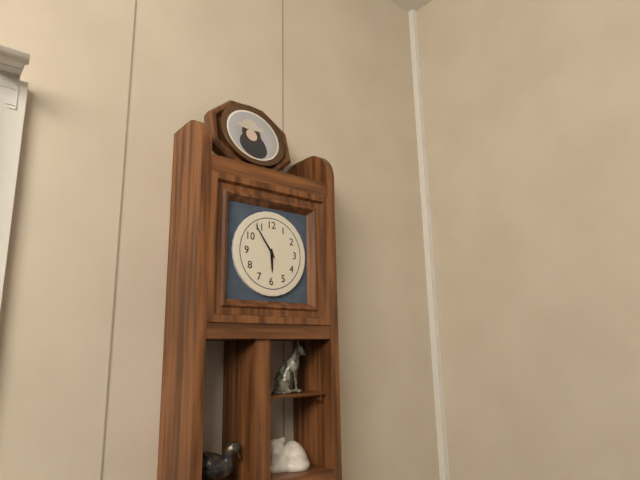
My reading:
h=5 m=54
